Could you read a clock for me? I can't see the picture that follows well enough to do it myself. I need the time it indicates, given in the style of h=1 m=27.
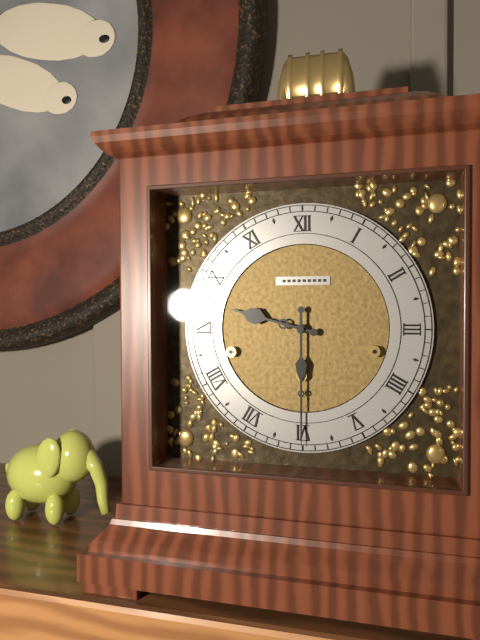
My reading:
h=9 m=30
